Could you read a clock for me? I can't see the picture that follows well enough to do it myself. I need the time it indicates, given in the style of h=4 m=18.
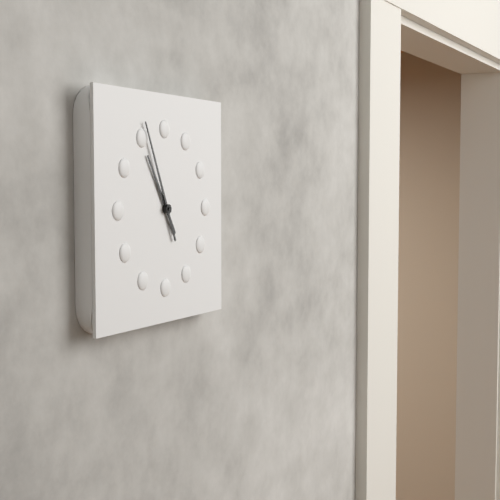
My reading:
h=10 m=56
